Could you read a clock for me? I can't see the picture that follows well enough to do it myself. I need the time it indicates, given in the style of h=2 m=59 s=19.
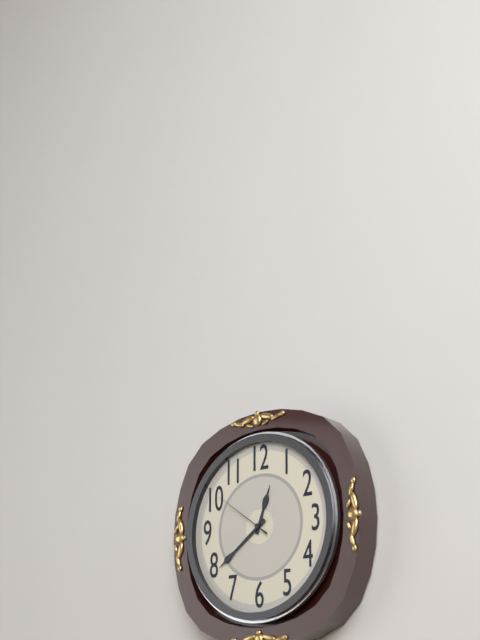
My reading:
h=12 m=39 s=51
